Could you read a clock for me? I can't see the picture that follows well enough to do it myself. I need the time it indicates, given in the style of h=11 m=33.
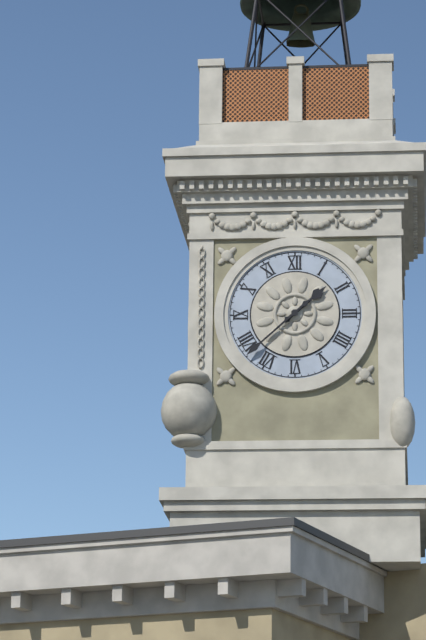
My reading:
h=1 m=38
